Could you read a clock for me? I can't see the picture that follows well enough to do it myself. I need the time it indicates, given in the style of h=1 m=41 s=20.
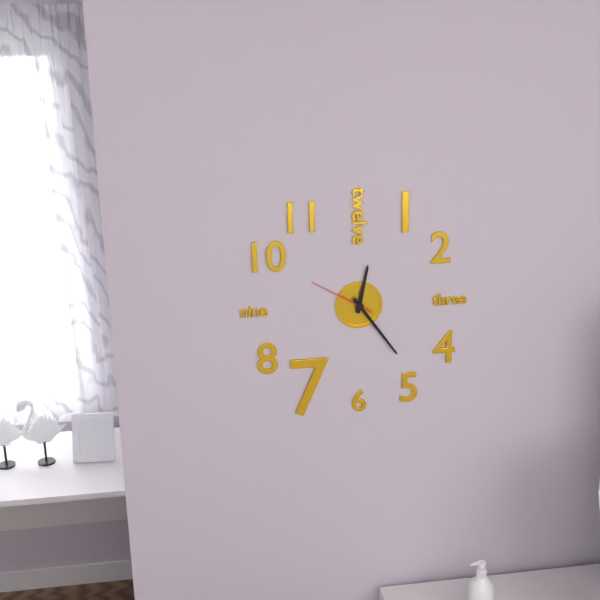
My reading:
h=12 m=24 s=50
